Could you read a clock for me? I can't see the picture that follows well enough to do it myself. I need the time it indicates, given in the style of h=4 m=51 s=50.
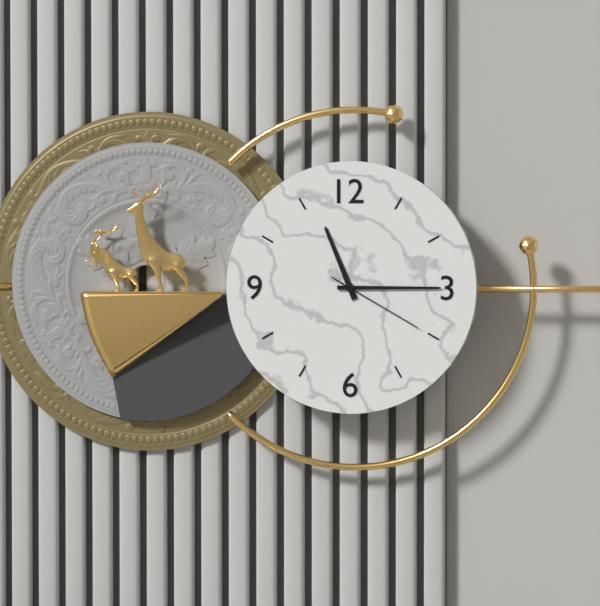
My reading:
h=11 m=15 s=20
